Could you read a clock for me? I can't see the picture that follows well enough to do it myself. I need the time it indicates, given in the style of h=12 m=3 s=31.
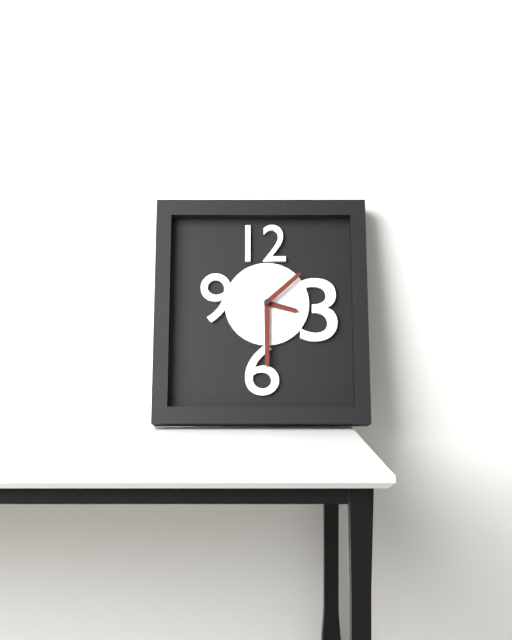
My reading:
h=3 m=30 s=8
